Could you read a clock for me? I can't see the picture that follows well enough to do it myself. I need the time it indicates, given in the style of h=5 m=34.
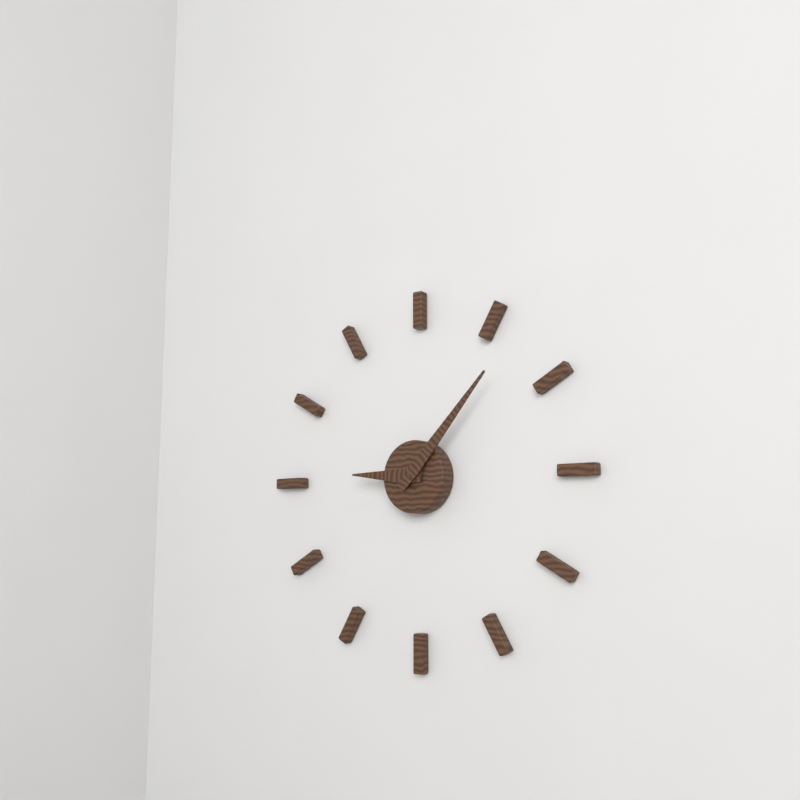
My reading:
h=9 m=7
